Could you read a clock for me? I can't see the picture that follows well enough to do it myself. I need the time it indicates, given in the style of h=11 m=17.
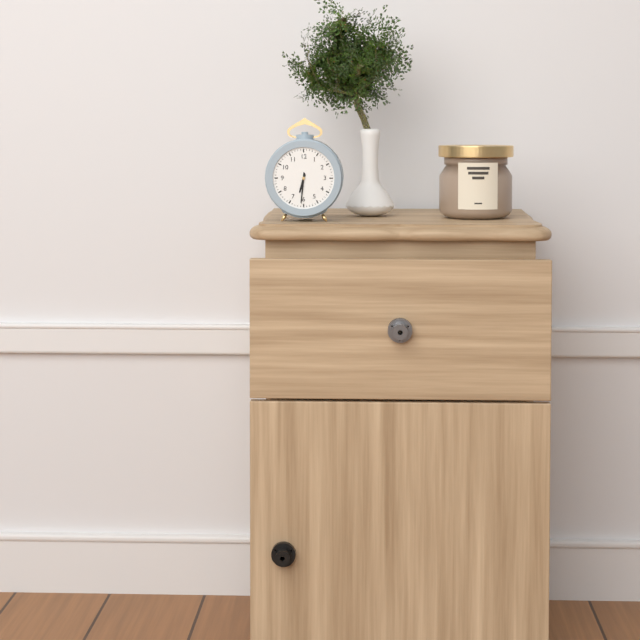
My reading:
h=6 m=31
